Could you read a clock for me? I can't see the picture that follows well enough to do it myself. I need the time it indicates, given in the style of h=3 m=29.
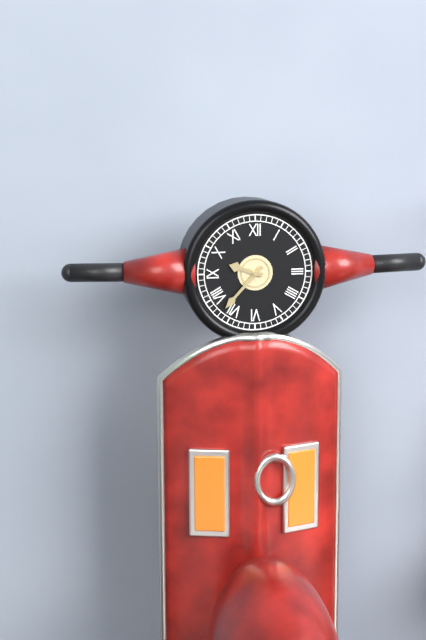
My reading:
h=9 m=37
